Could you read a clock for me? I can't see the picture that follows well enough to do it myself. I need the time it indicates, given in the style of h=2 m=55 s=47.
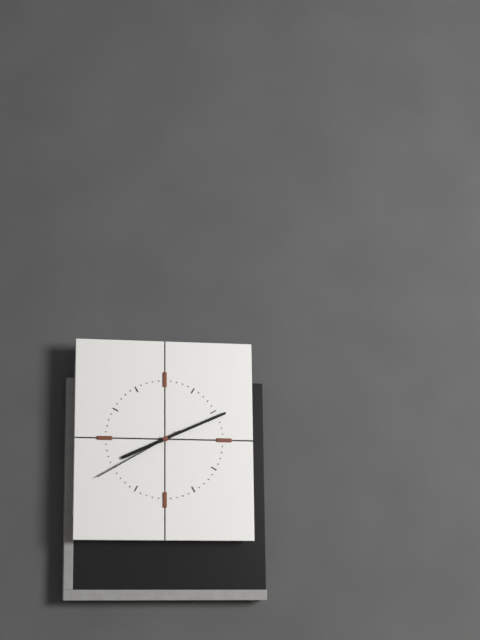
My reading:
h=8 m=11 s=40
